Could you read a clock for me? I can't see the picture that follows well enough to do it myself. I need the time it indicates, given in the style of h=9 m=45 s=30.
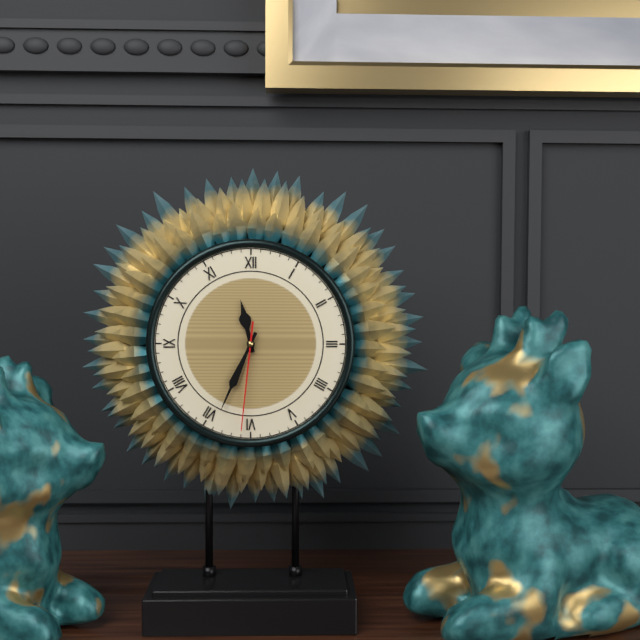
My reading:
h=11 m=34 s=31
